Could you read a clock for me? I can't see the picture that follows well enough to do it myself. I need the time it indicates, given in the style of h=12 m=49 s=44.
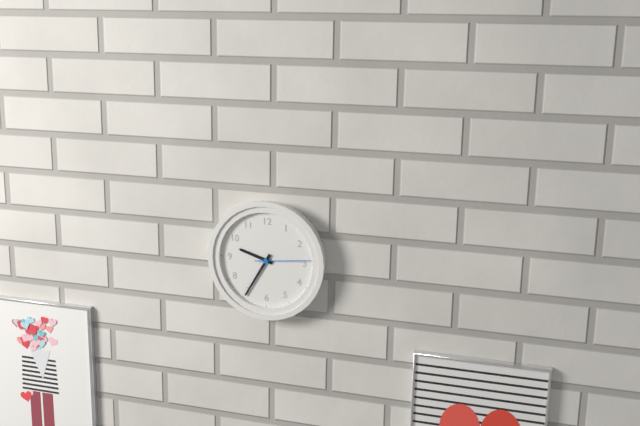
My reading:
h=9 m=35 s=14
